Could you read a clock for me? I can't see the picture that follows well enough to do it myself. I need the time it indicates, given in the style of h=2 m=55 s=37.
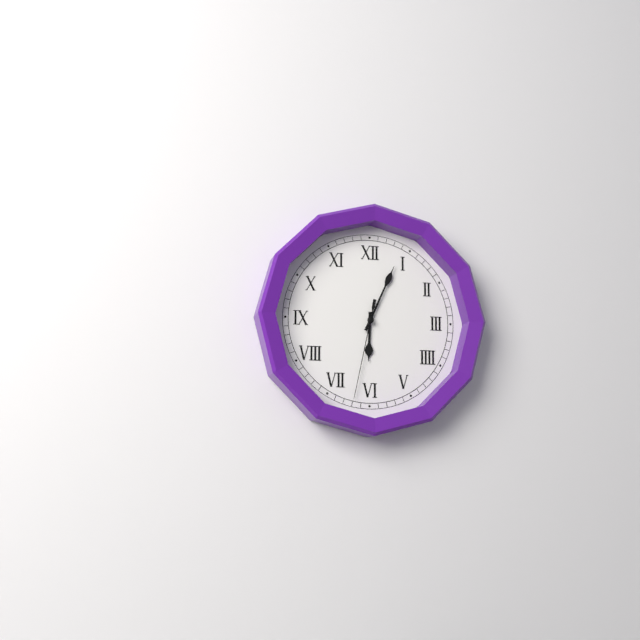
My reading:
h=6 m=4 s=32
